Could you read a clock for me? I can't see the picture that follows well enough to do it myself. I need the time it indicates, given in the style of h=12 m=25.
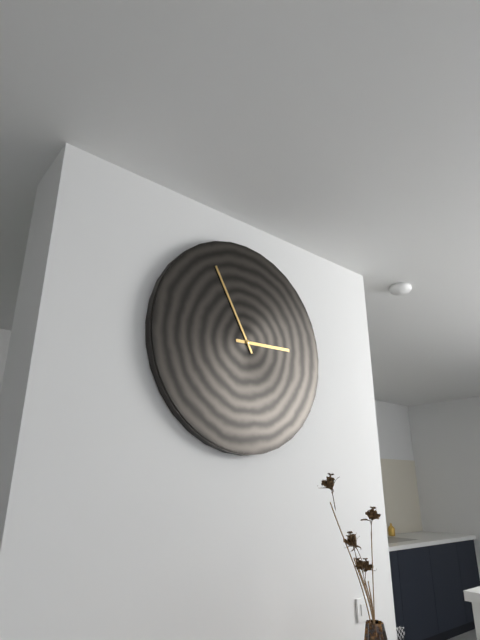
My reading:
h=2 m=55
